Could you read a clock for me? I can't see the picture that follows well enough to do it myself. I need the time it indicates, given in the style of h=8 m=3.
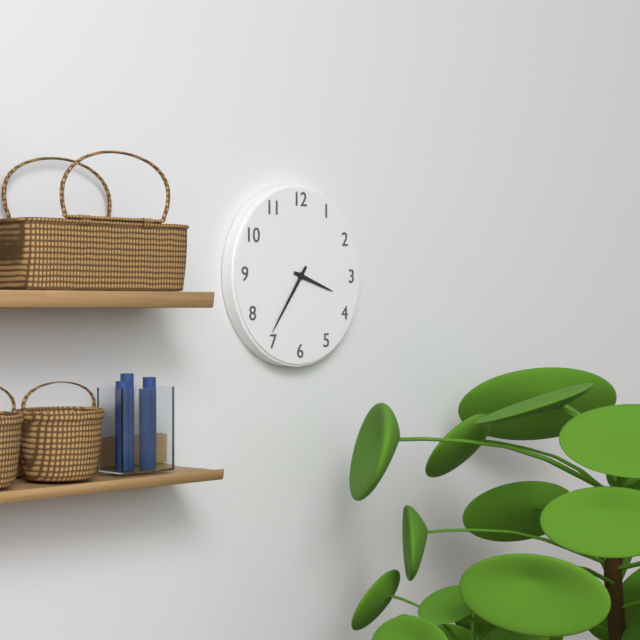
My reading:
h=3 m=36
